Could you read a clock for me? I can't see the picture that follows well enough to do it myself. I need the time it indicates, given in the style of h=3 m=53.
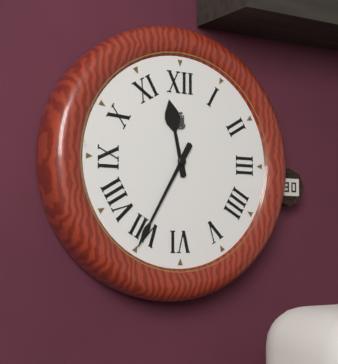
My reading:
h=11 m=35
